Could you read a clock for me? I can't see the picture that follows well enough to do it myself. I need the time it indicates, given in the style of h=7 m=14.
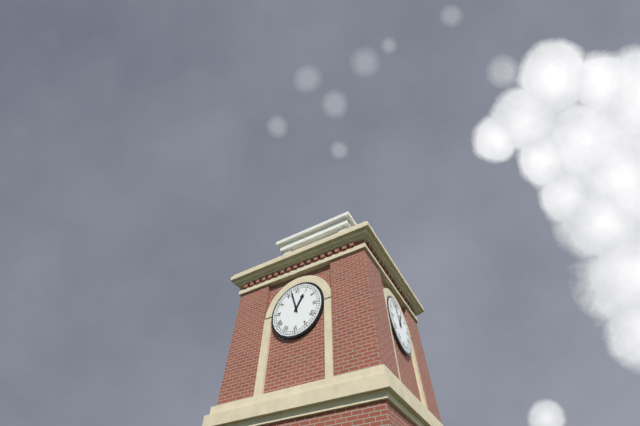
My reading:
h=12 m=57
